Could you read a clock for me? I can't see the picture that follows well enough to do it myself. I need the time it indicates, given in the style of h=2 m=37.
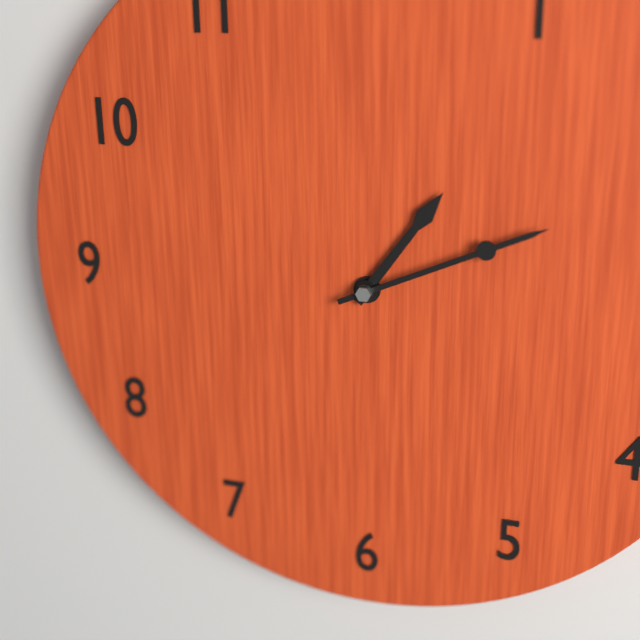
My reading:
h=1 m=11
